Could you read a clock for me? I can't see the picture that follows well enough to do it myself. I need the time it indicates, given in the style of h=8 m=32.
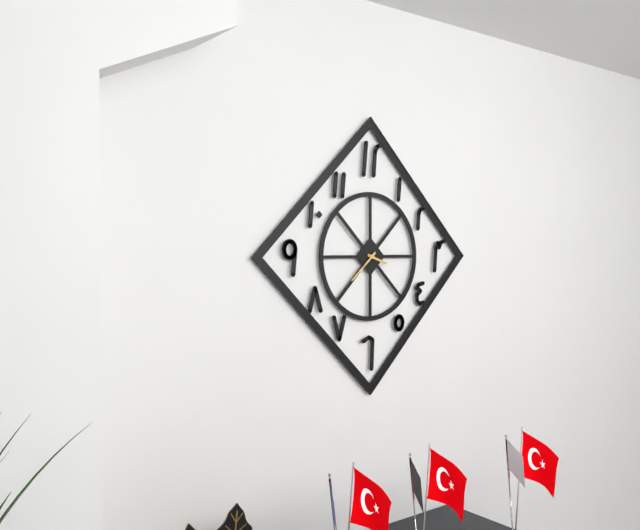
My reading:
h=3 m=38
